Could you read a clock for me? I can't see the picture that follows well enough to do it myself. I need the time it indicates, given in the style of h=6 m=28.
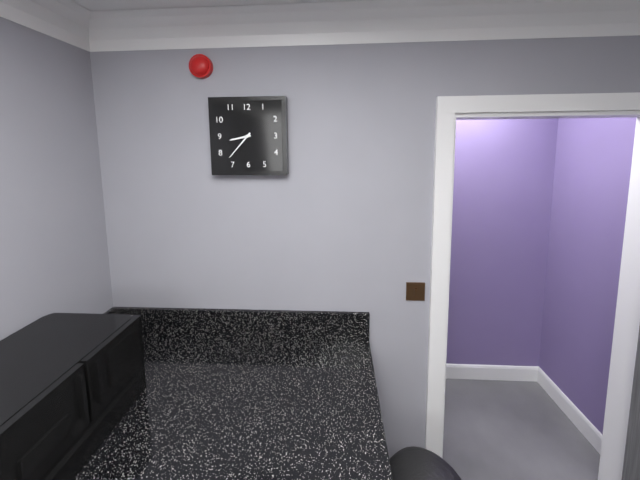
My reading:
h=8 m=37
